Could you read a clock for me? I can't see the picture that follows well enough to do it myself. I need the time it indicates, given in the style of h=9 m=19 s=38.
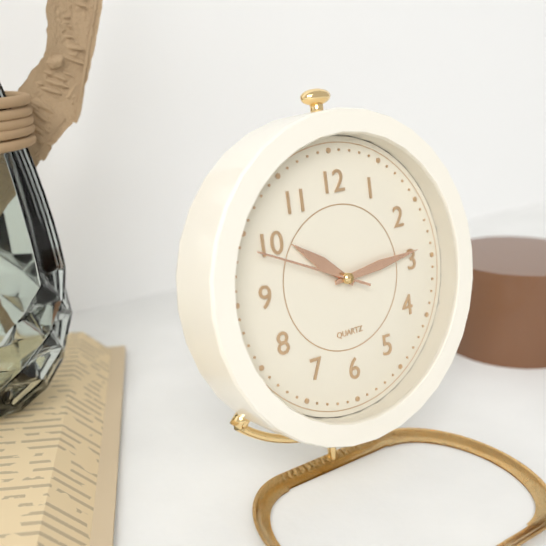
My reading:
h=10 m=14 s=49
